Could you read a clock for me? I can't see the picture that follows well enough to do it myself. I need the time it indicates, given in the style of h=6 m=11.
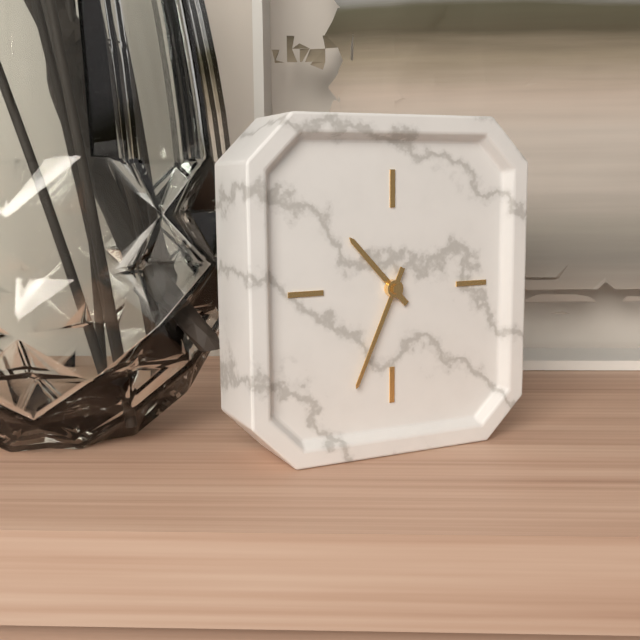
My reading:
h=10 m=34
